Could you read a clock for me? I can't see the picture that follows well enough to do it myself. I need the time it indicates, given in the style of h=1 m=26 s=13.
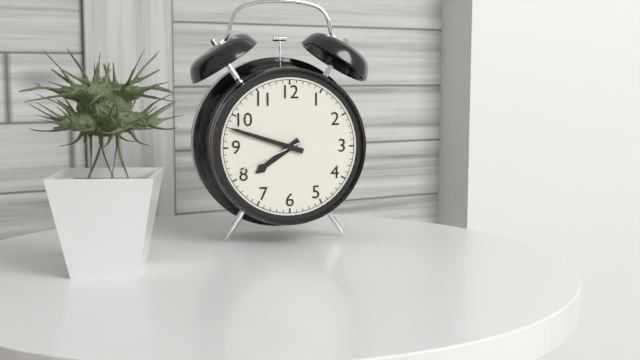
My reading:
h=7 m=48 s=41
